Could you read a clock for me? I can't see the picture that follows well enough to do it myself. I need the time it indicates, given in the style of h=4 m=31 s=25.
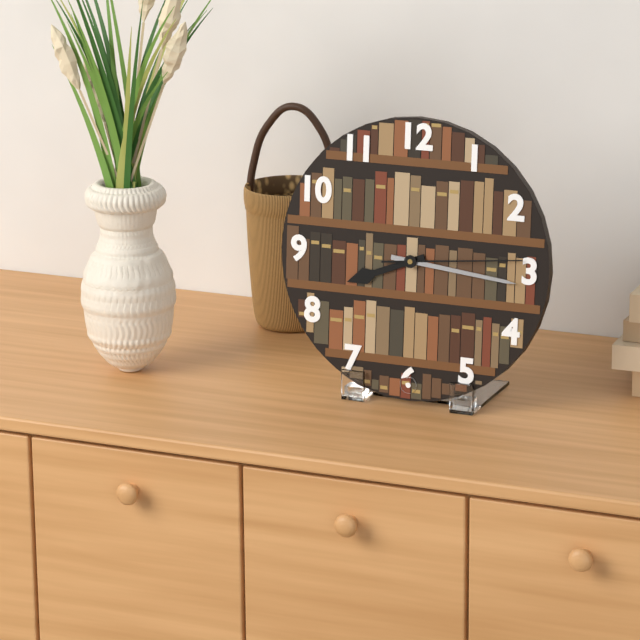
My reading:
h=8 m=16 s=14
